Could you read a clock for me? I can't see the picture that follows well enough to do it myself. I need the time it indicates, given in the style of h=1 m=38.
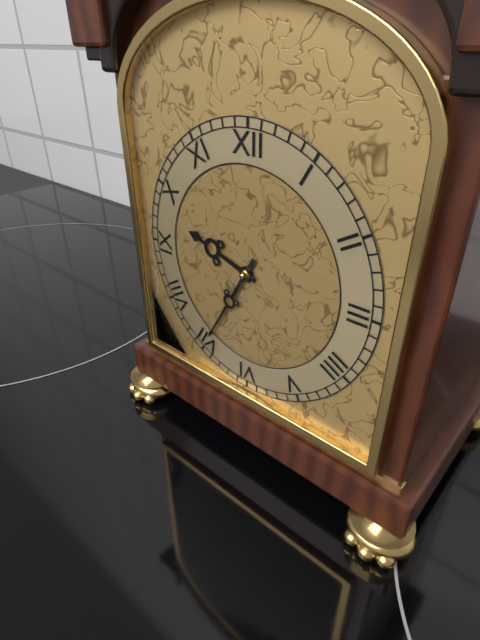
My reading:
h=9 m=35
